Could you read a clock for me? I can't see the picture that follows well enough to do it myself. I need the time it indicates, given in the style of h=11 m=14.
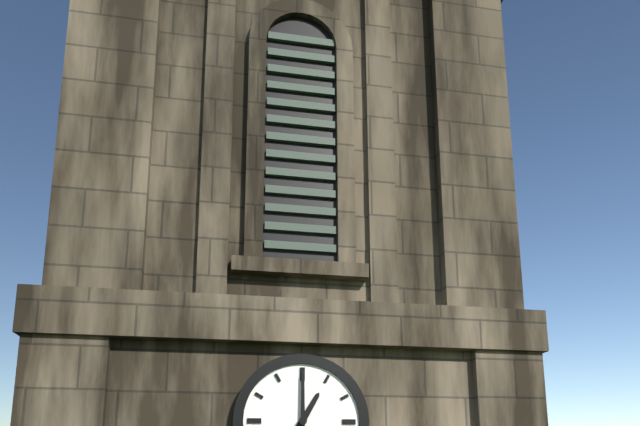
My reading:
h=1 m=0
